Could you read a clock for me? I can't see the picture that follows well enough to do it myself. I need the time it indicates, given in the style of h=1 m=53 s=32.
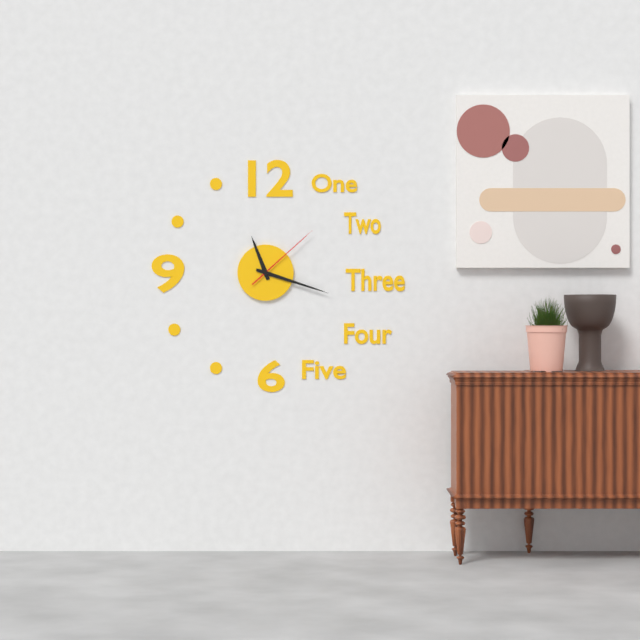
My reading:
h=11 m=18 s=8
